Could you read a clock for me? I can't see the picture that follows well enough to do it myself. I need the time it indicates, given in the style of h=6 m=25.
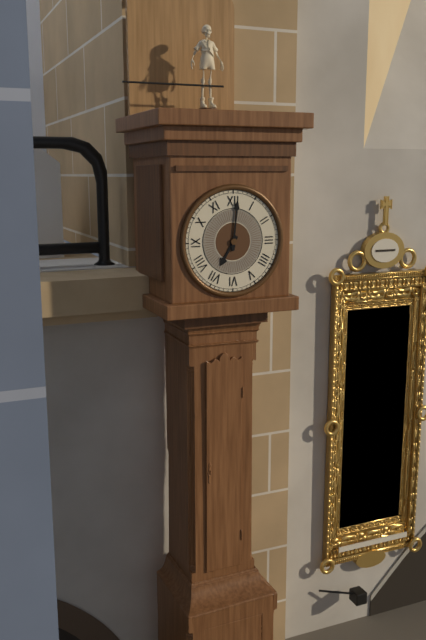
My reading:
h=7 m=1
